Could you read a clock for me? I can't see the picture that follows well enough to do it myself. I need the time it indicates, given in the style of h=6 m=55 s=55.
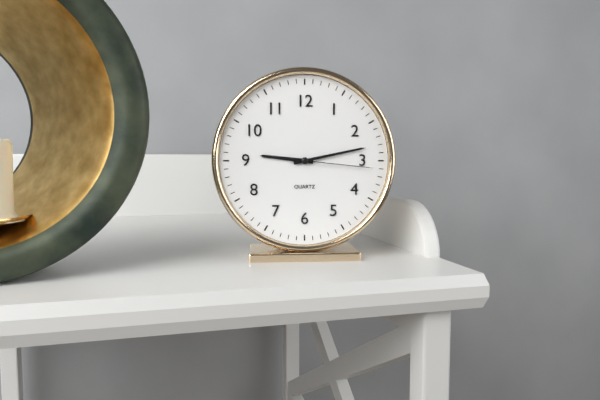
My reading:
h=9 m=13 s=16
